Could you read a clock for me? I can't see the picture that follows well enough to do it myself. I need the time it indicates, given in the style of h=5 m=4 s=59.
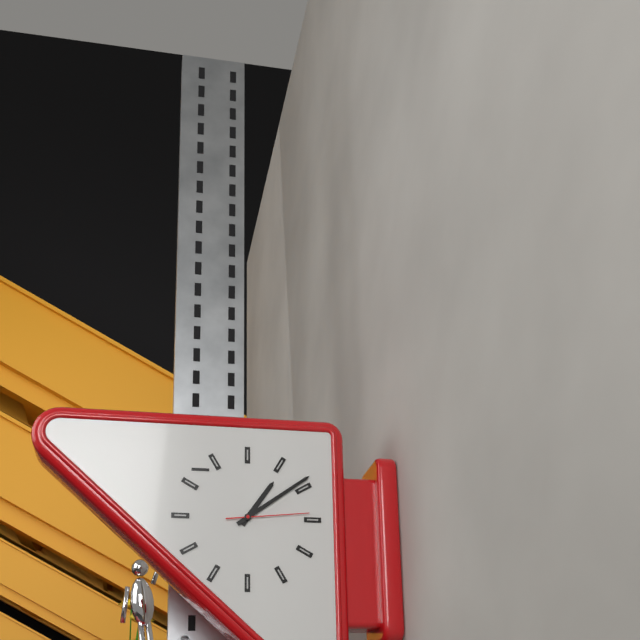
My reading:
h=1 m=9 s=14
